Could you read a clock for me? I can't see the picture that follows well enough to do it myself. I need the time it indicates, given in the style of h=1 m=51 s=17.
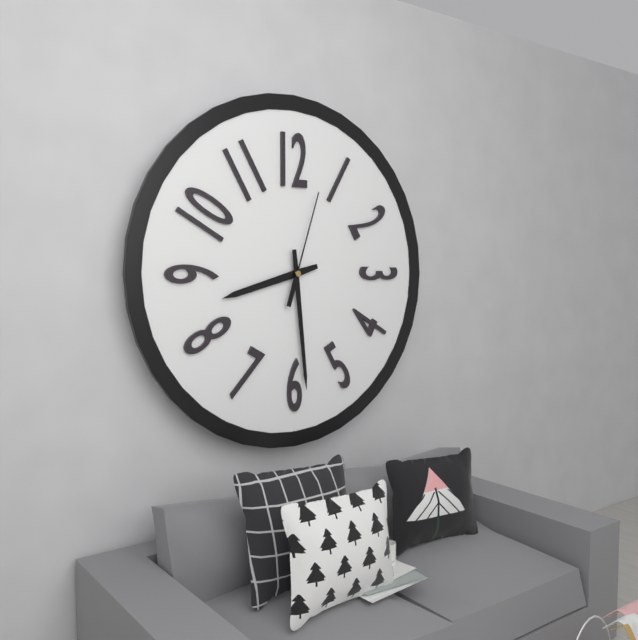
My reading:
h=8 m=29 s=3
